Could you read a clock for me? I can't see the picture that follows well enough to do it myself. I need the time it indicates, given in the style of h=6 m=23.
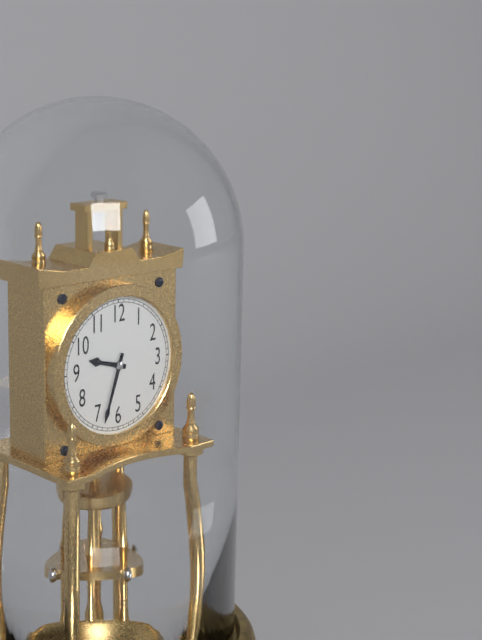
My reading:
h=9 m=33
